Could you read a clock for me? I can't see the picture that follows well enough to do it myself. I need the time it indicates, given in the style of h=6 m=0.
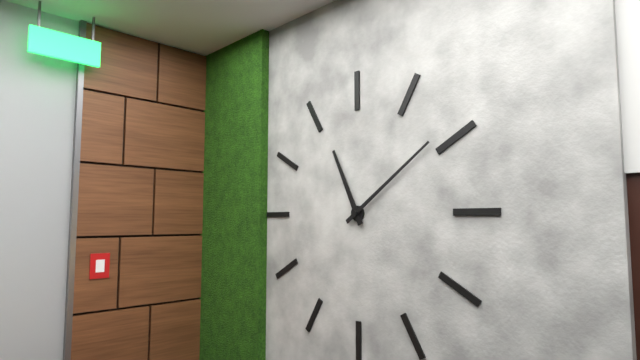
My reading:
h=11 m=9
